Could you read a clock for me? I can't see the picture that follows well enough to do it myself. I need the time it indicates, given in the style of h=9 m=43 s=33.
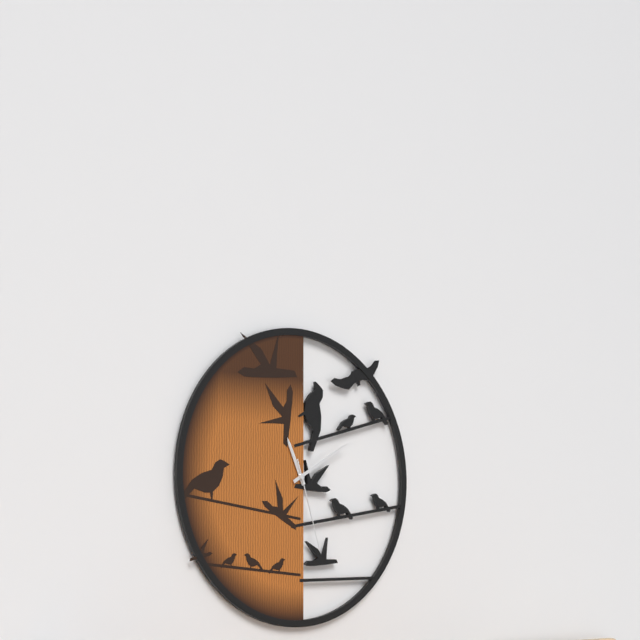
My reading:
h=11 m=10 s=27
